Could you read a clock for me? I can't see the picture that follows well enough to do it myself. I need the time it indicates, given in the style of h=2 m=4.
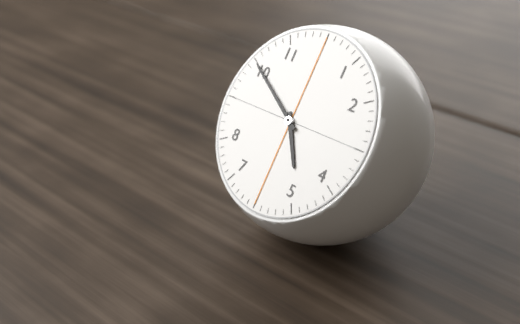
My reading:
h=4 m=50
